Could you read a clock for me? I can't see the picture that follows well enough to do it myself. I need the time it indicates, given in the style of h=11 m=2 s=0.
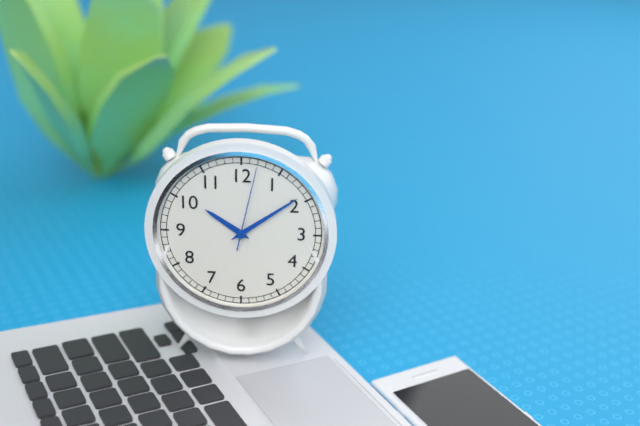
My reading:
h=10 m=9 s=2
